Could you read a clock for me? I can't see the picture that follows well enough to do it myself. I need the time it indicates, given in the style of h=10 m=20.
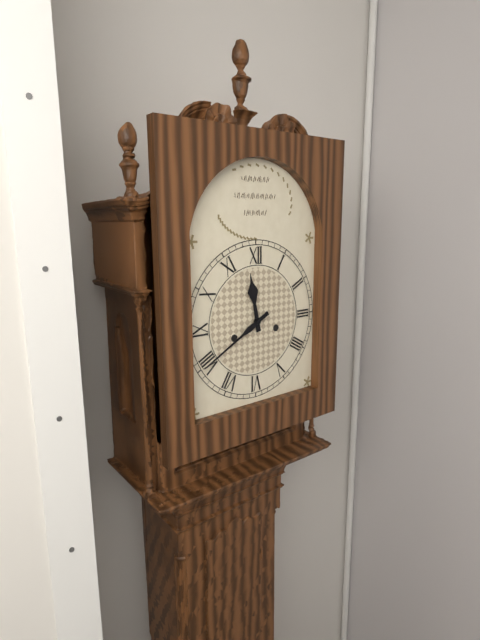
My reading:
h=11 m=40
